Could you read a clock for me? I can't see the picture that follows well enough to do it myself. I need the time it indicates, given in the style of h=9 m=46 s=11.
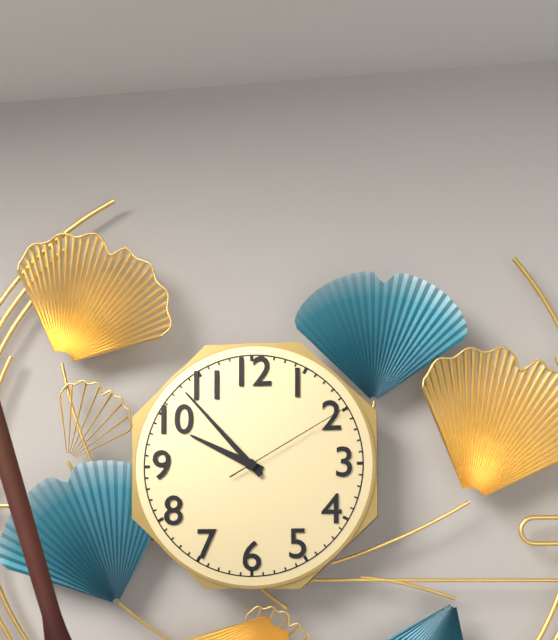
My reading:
h=9 m=53 s=10
